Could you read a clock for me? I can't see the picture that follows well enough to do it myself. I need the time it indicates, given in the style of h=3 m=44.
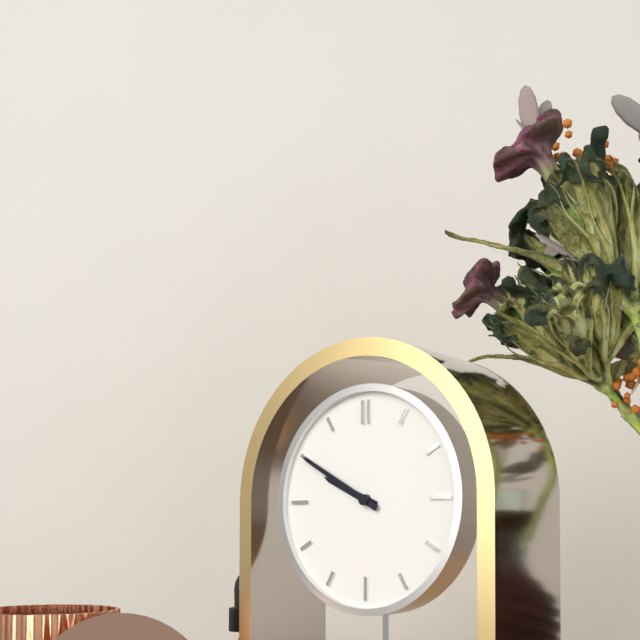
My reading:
h=9 m=50
